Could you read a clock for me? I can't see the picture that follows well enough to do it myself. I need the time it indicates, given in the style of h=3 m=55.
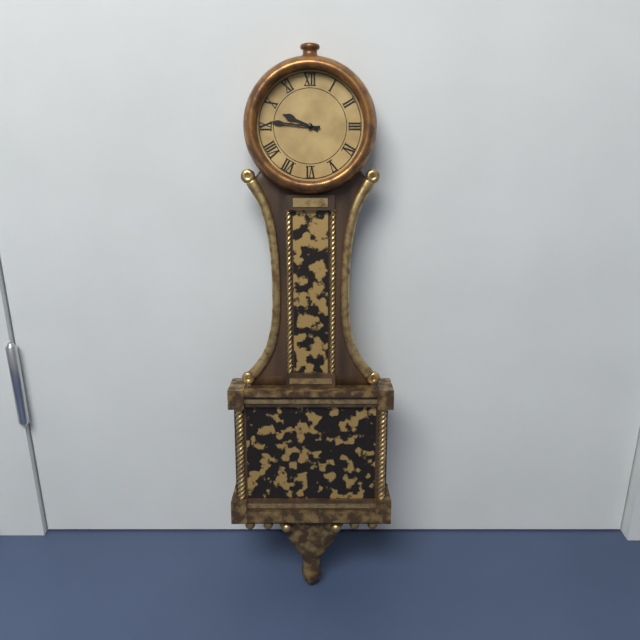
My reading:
h=9 m=46
